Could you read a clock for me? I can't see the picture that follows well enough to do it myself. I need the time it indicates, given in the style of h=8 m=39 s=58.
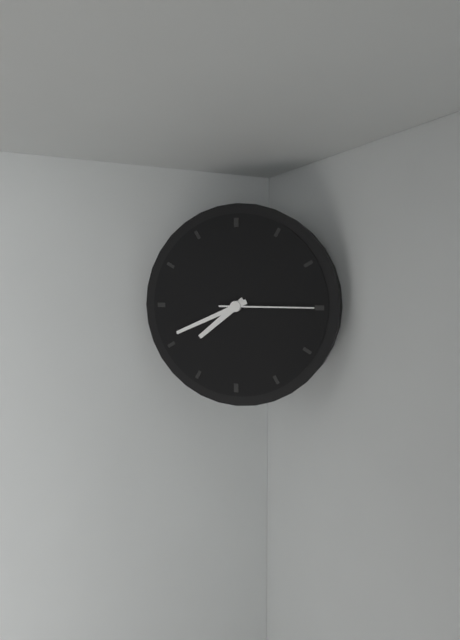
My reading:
h=7 m=41 s=15
